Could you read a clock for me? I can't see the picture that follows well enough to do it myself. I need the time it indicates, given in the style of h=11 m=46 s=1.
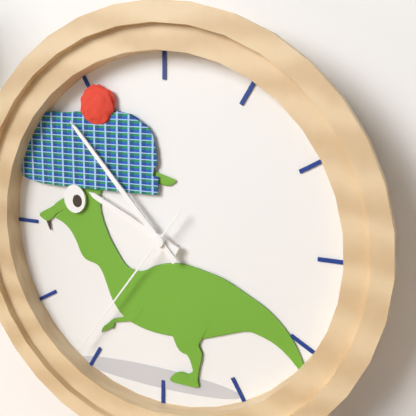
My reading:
h=9 m=53 s=36
